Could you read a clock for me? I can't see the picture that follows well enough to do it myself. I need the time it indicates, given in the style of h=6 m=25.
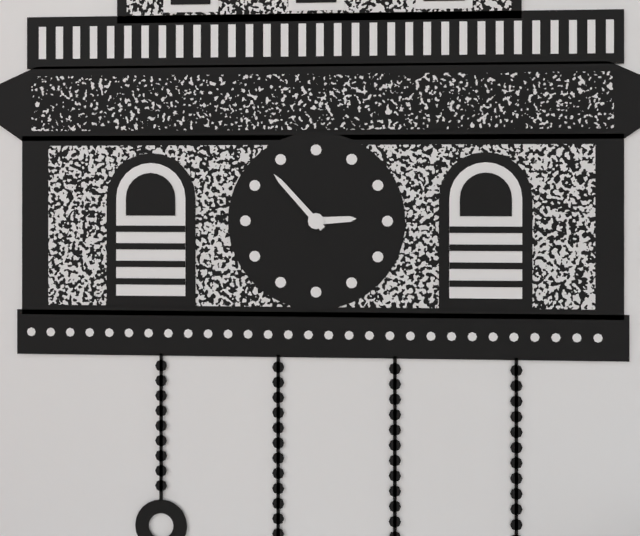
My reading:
h=2 m=53
